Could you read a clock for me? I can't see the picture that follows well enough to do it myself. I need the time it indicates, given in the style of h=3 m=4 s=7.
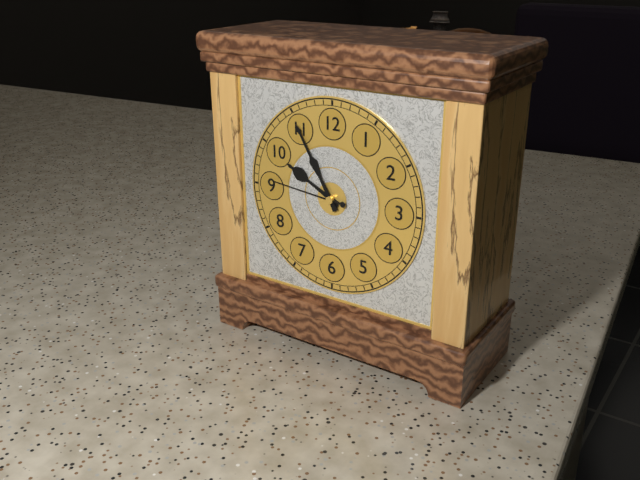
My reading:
h=9 m=55 s=46
